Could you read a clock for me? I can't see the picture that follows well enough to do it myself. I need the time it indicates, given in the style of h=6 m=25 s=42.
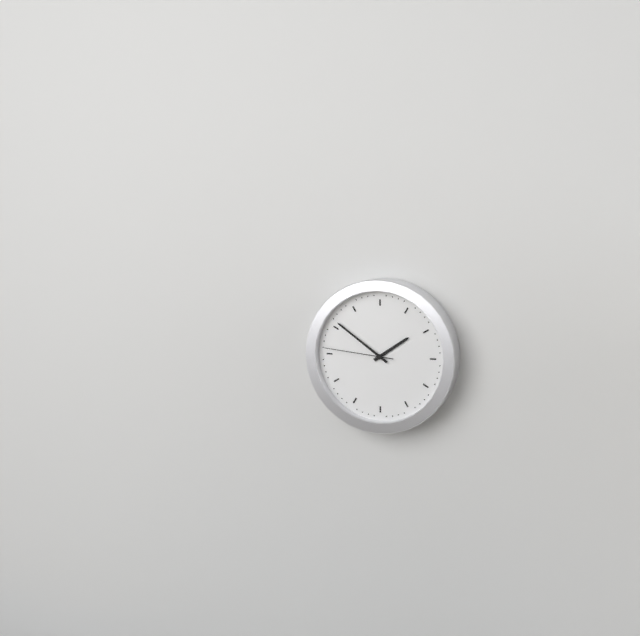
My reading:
h=1 m=51 s=46
